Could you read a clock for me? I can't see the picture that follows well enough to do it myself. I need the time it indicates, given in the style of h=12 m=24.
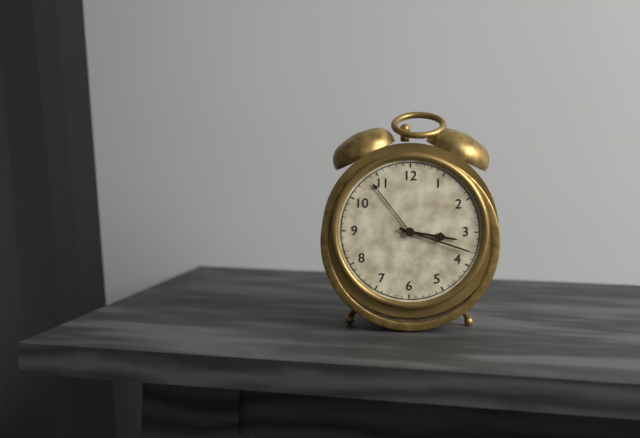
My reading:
h=3 m=18
